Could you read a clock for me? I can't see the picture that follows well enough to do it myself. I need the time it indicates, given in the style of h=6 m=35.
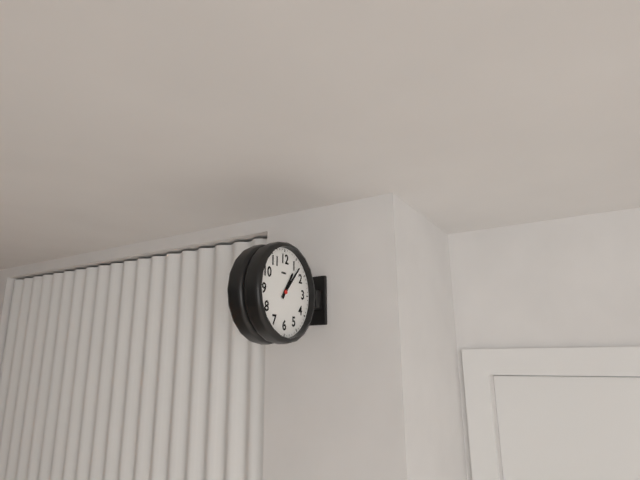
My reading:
h=1 m=7
